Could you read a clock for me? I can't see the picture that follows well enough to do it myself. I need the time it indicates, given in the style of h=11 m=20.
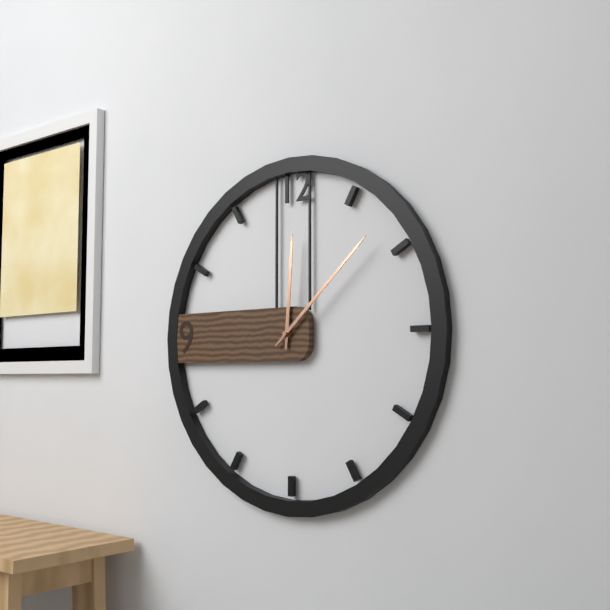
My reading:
h=12 m=8
